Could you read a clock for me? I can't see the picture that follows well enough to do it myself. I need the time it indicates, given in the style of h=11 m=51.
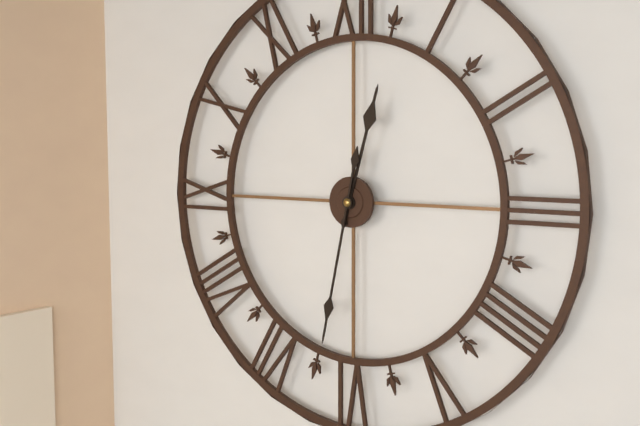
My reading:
h=12 m=32
